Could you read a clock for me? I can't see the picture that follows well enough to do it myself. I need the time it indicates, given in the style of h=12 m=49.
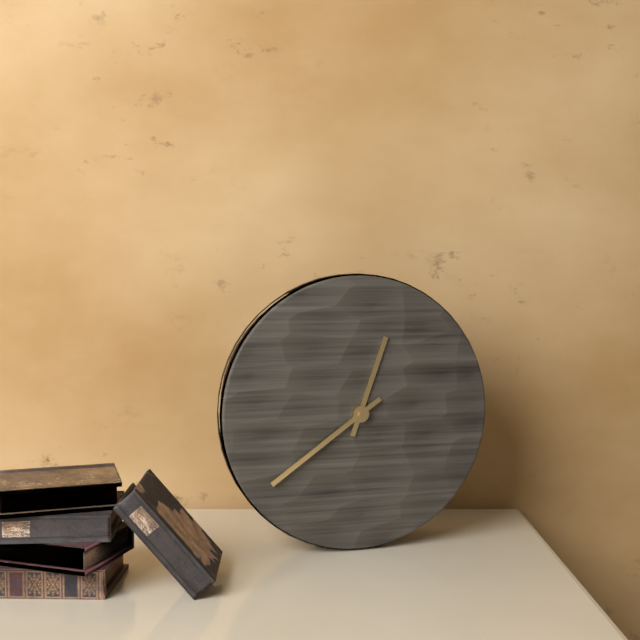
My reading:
h=12 m=39
